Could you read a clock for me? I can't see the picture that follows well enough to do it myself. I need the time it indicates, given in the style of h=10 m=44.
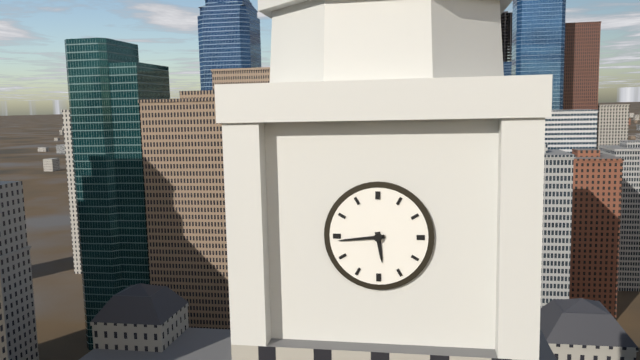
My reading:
h=5 m=44
